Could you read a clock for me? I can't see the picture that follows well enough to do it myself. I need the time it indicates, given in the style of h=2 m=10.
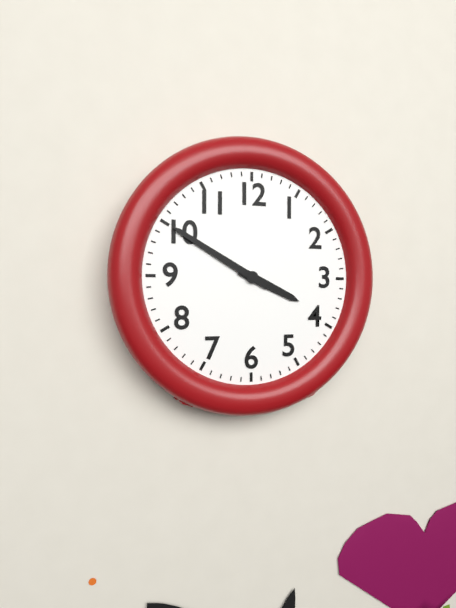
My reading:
h=3 m=50
